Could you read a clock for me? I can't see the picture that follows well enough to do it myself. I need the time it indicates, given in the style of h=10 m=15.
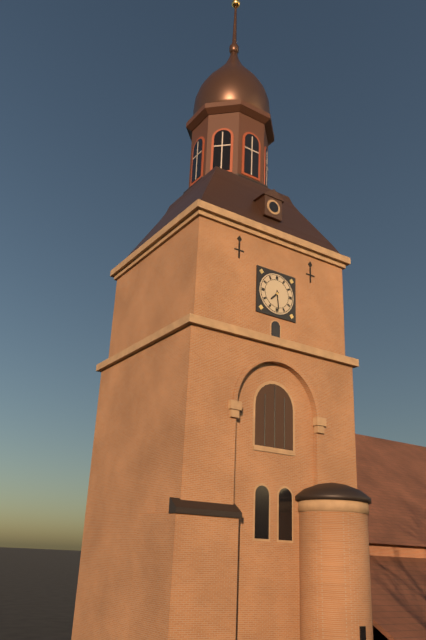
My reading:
h=7 m=29
